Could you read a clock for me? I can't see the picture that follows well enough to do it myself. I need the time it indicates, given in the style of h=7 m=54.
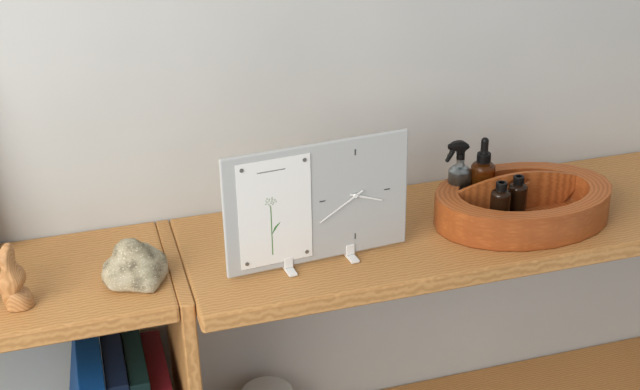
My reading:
h=3 m=40
